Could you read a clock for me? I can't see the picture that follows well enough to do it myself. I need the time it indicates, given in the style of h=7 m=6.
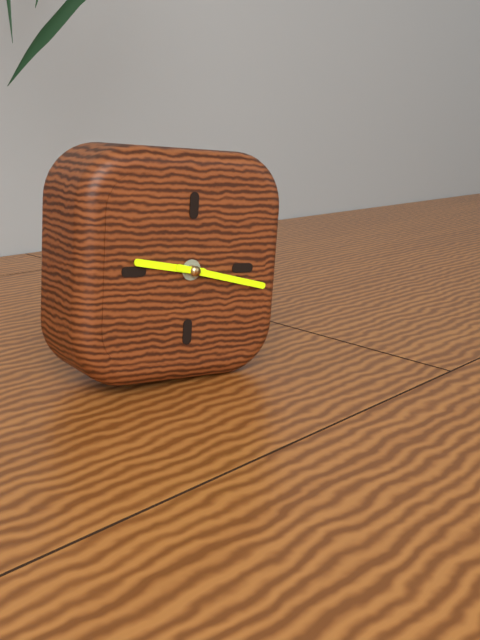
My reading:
h=9 m=17
